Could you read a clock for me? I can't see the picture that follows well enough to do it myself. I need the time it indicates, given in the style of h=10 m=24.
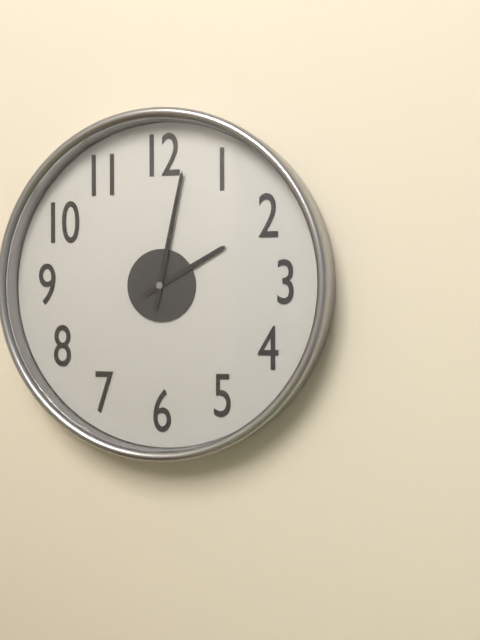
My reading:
h=2 m=2
